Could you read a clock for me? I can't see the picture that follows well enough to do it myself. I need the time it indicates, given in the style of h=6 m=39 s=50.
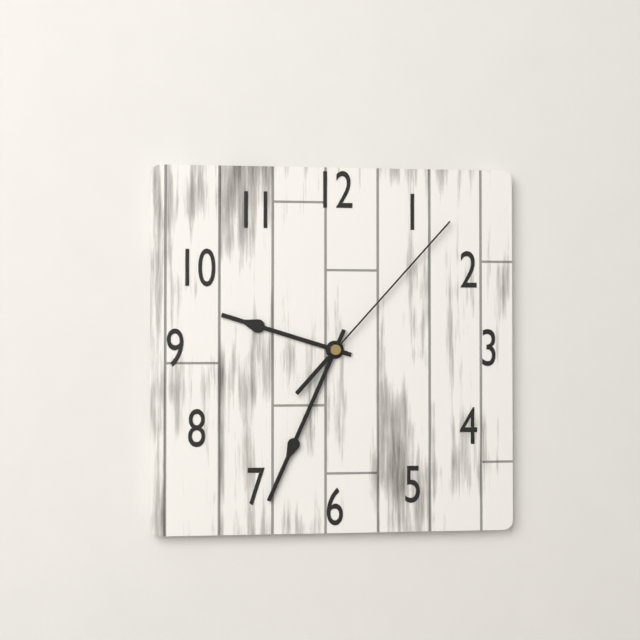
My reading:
h=9 m=34 s=7
